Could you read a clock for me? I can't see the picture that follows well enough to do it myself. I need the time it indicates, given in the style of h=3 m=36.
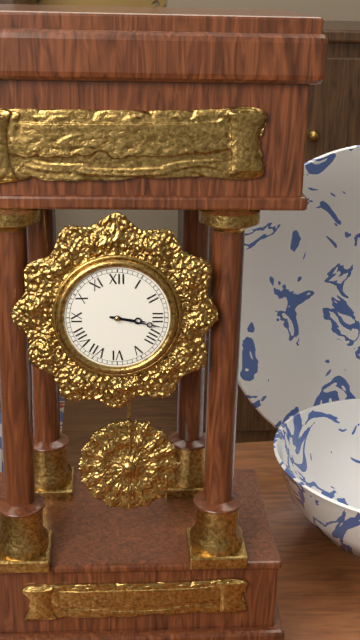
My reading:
h=3 m=17
